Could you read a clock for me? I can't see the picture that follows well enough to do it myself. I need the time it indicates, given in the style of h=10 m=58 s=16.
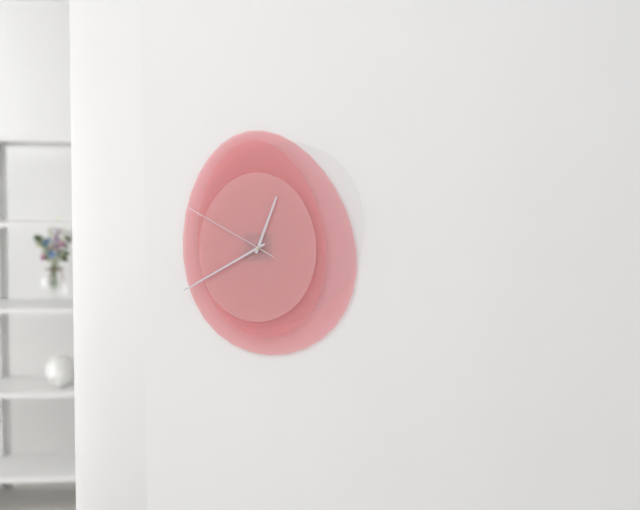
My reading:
h=12 m=40 s=50
